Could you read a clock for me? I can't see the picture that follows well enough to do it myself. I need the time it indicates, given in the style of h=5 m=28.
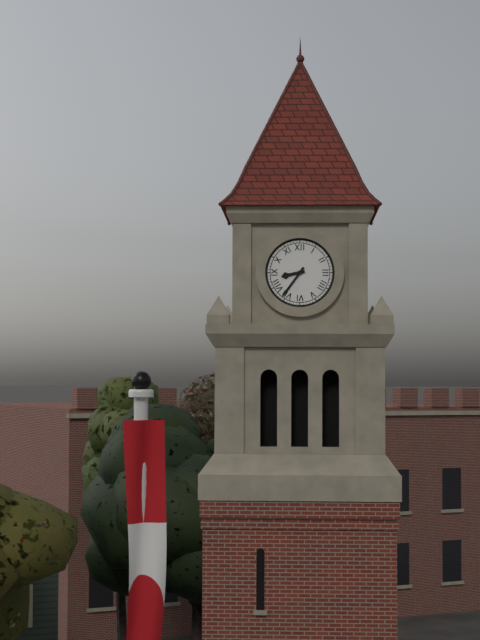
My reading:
h=8 m=36
